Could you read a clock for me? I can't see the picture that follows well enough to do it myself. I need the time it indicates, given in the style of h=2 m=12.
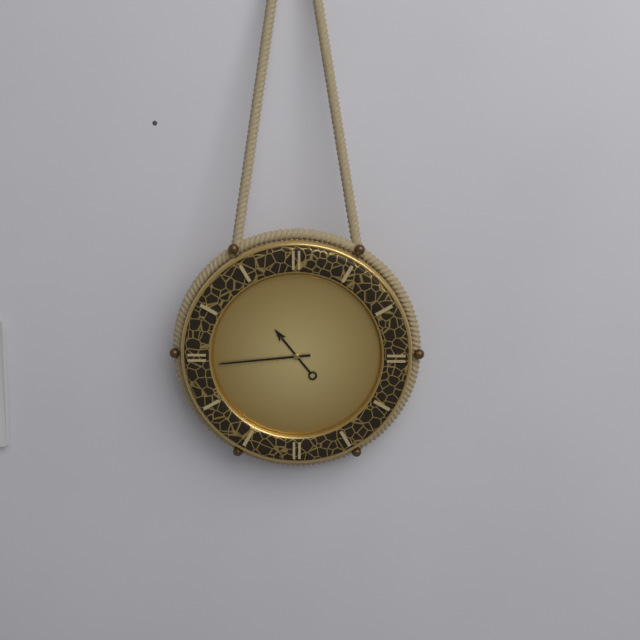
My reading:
h=10 m=44
